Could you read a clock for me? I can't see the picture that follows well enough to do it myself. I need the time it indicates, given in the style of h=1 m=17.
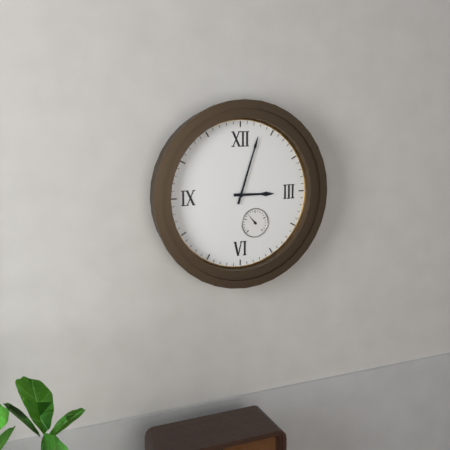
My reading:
h=3 m=3
